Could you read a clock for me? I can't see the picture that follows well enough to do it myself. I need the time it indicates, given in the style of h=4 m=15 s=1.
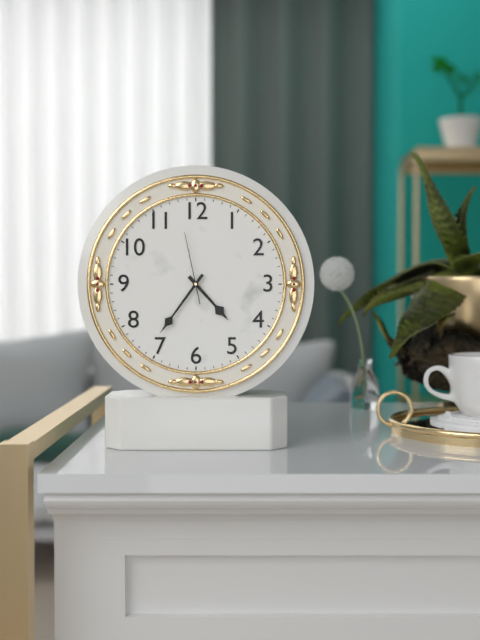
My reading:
h=4 m=36 s=58
